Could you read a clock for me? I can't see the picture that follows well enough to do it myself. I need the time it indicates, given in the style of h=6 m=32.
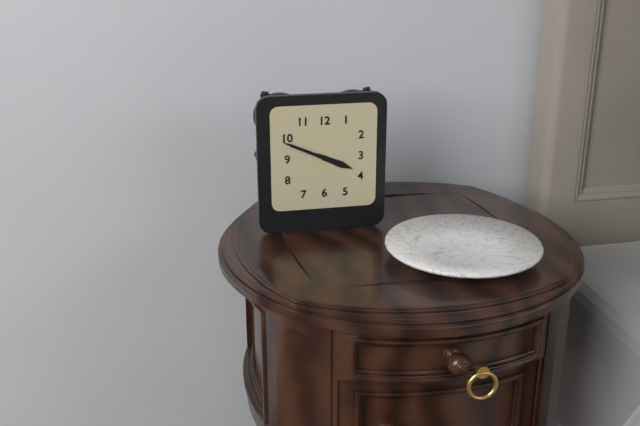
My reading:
h=3 m=49
